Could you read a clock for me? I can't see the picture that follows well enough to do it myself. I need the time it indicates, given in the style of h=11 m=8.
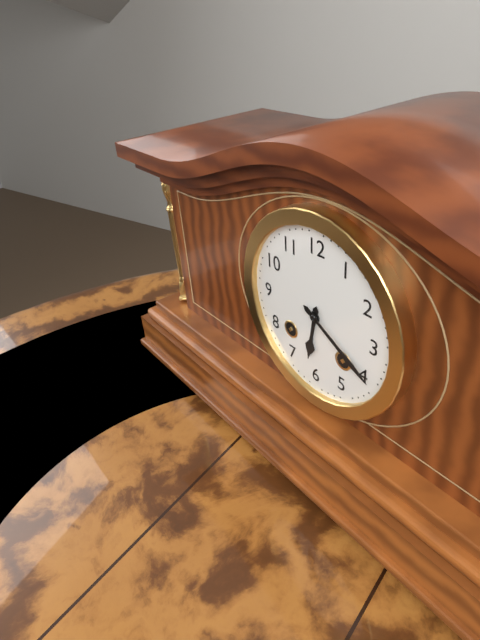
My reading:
h=6 m=20
